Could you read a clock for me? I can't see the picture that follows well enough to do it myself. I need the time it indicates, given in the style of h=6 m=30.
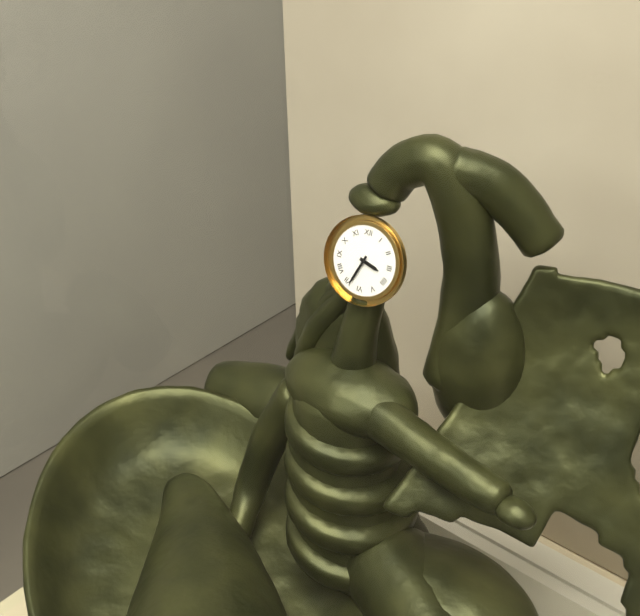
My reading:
h=3 m=34
